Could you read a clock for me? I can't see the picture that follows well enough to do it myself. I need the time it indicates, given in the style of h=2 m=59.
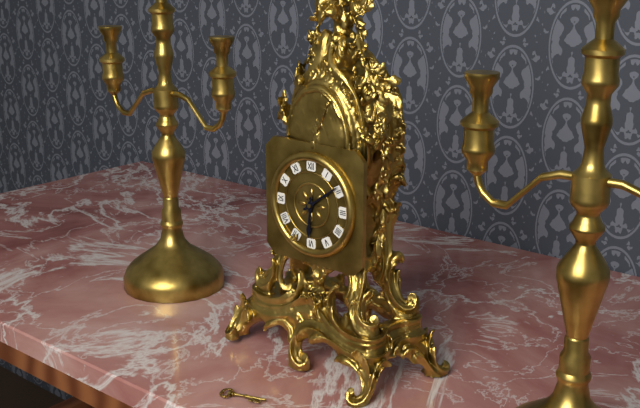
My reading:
h=6 m=9
